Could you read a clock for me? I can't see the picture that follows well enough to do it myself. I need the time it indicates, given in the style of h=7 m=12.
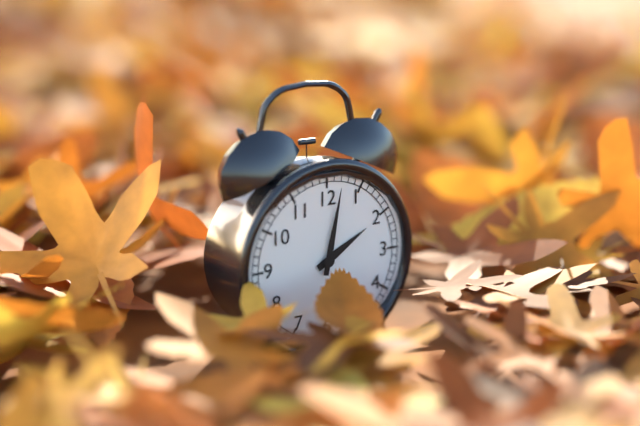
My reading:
h=2 m=2
